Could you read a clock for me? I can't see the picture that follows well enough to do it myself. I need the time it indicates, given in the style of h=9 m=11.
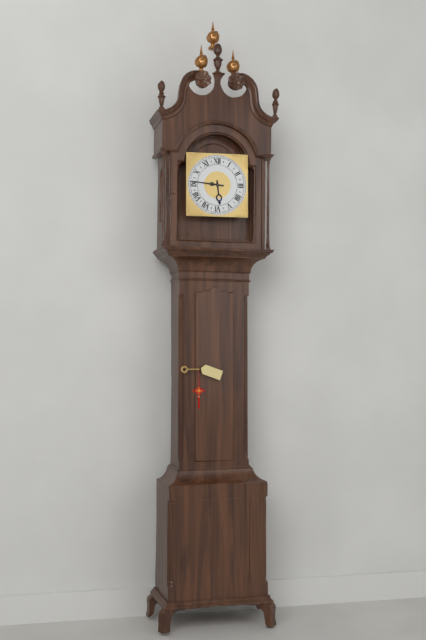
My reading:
h=5 m=46
